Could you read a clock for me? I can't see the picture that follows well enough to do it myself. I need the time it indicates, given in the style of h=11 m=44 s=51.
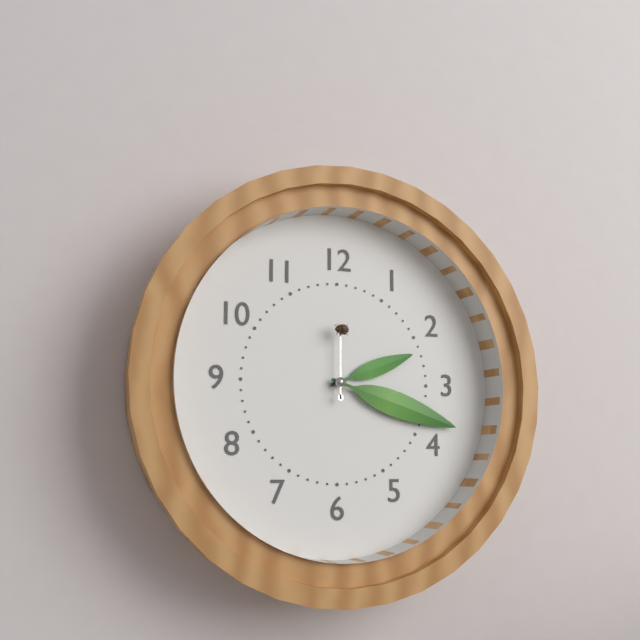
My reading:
h=2 m=18 s=0
